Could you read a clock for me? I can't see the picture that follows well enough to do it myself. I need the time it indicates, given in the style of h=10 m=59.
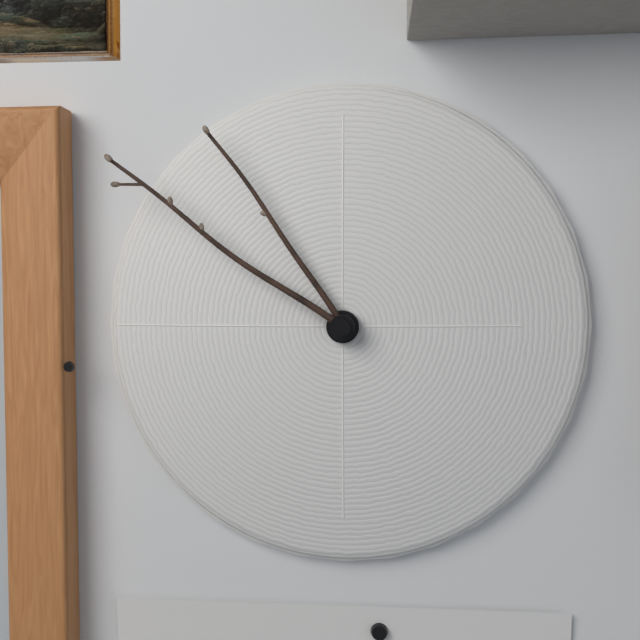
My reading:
h=10 m=51
